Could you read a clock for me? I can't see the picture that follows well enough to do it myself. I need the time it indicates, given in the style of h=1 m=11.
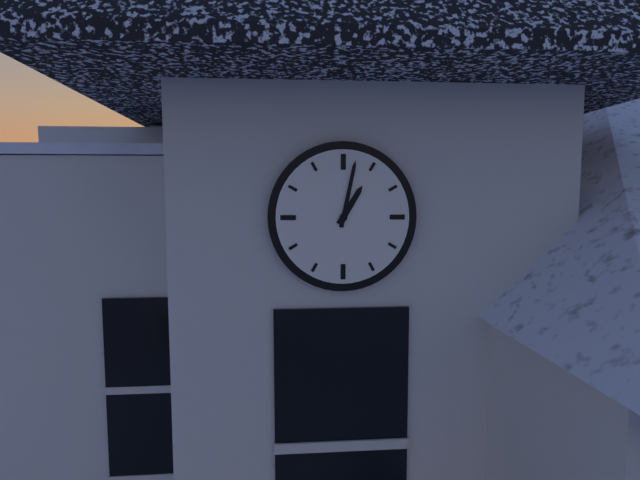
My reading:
h=1 m=2
